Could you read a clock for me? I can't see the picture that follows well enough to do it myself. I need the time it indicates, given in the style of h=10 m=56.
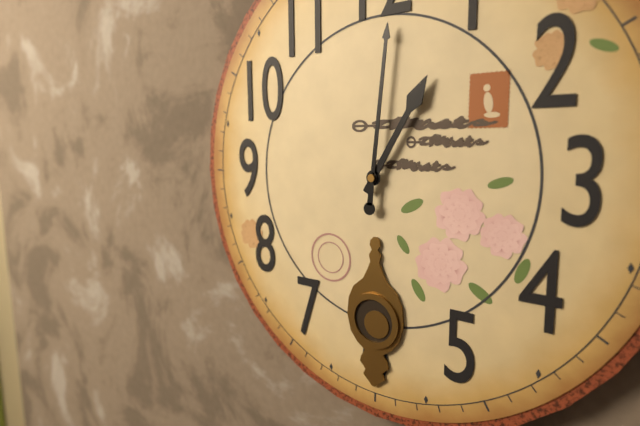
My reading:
h=1 m=1
